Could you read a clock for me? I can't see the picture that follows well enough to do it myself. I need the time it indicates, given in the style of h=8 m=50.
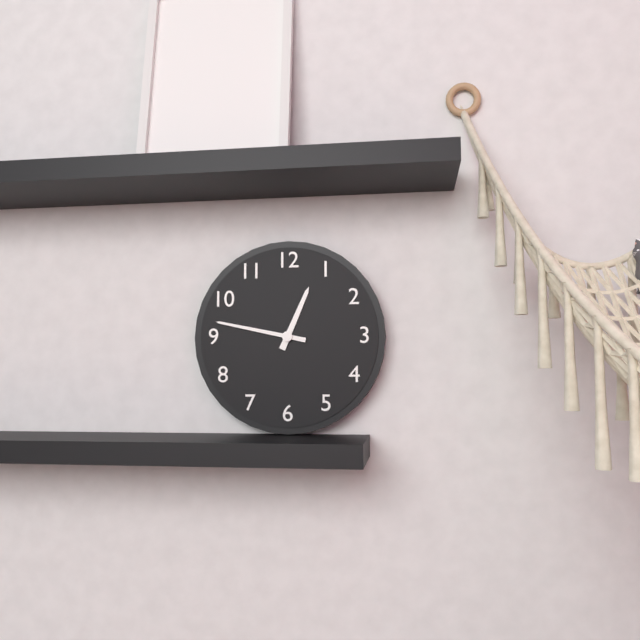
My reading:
h=12 m=47
